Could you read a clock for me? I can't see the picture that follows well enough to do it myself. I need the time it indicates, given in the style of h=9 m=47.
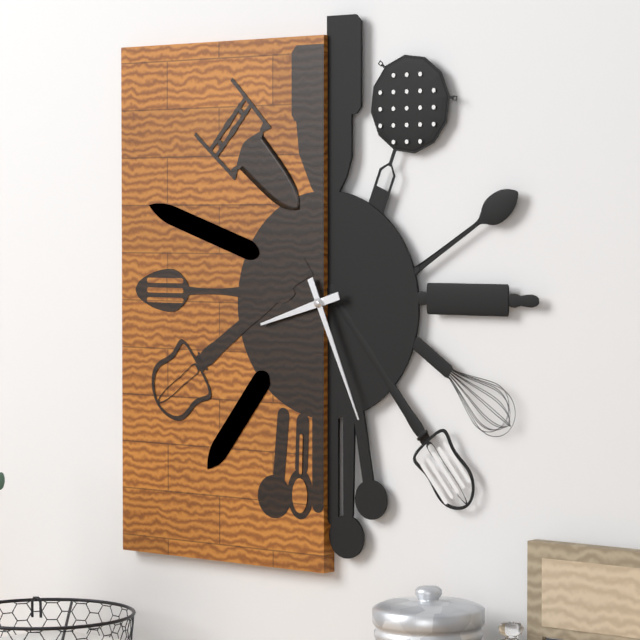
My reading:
h=8 m=26
